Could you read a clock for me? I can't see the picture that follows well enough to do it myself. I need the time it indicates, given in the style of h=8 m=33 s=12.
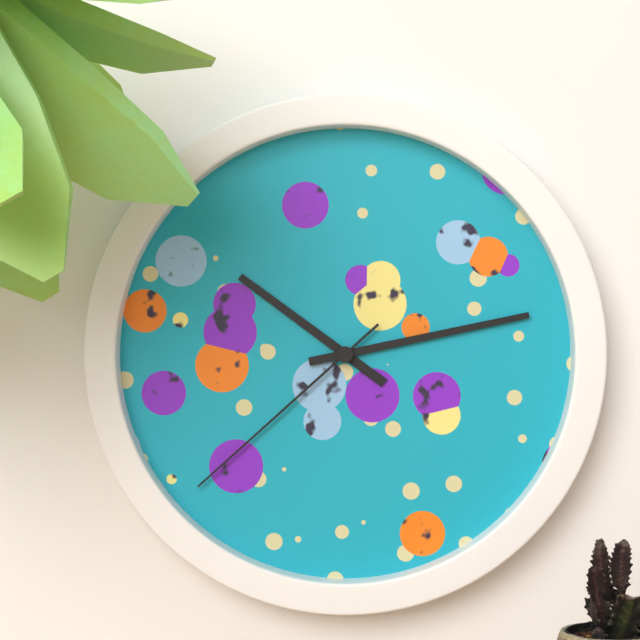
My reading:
h=10 m=13 s=38
